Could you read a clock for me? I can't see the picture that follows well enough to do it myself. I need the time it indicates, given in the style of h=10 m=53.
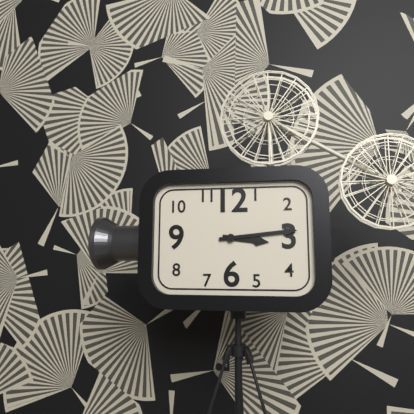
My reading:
h=3 m=14
